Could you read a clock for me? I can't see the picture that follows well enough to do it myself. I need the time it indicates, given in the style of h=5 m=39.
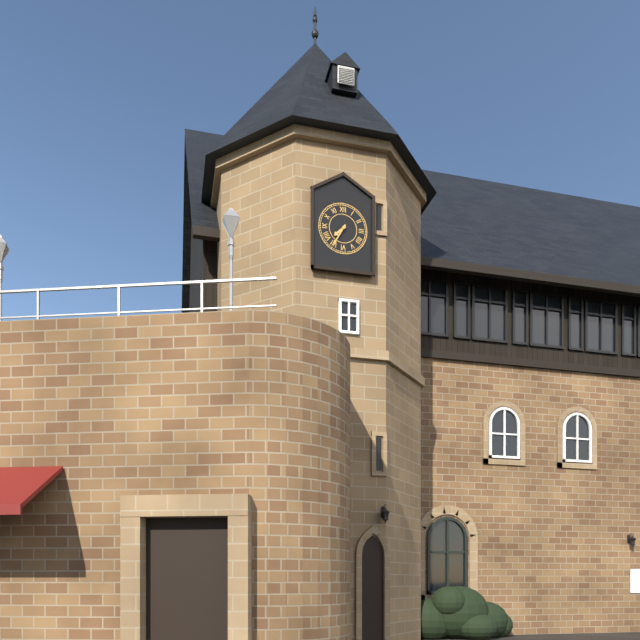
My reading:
h=7 m=35
